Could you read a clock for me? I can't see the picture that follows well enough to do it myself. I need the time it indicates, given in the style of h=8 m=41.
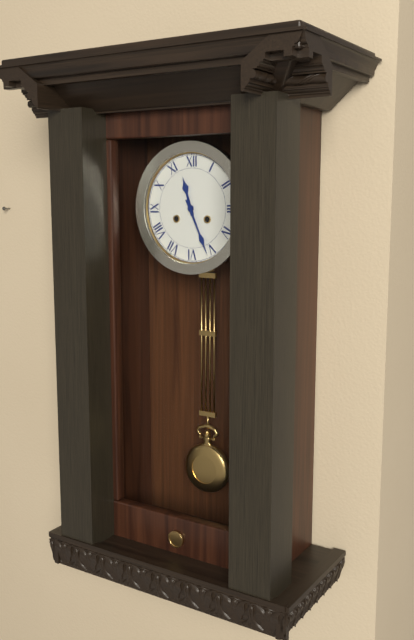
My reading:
h=11 m=26
